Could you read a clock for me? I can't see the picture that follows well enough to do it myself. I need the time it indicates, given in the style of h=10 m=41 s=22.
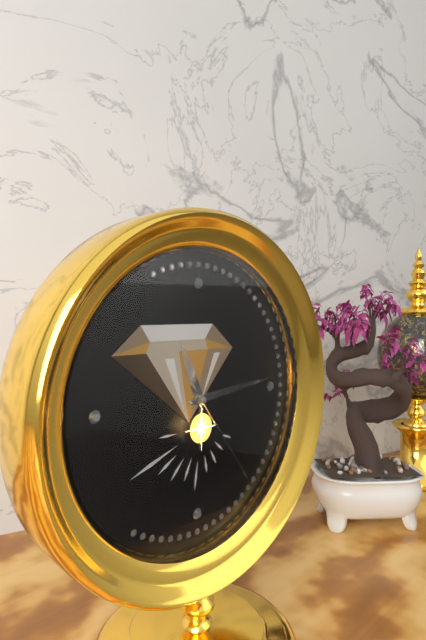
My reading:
h=11 m=14 s=24
